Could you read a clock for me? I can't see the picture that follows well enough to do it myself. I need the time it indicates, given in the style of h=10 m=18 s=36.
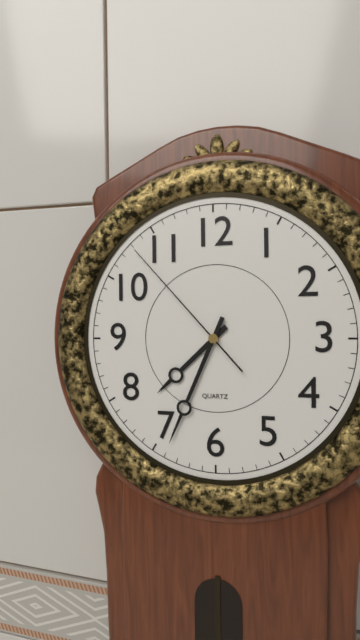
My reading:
h=7 m=34 s=53
